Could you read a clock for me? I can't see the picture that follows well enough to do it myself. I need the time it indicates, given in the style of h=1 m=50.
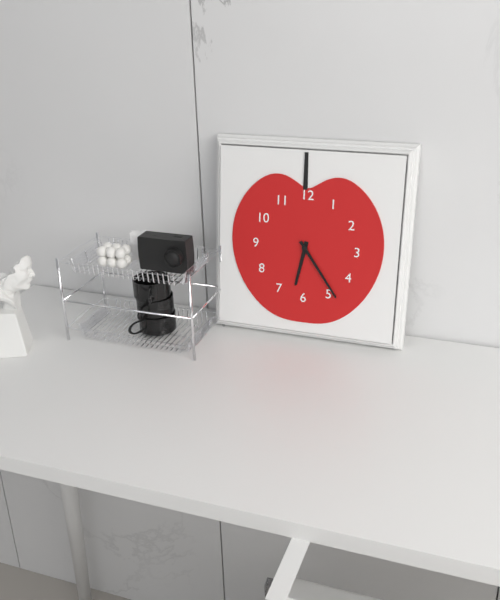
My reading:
h=6 m=24
